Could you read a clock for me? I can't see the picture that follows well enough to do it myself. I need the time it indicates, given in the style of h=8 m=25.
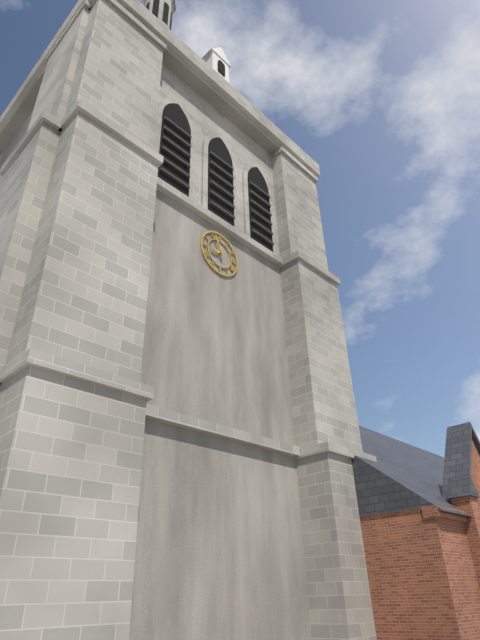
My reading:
h=8 m=56
